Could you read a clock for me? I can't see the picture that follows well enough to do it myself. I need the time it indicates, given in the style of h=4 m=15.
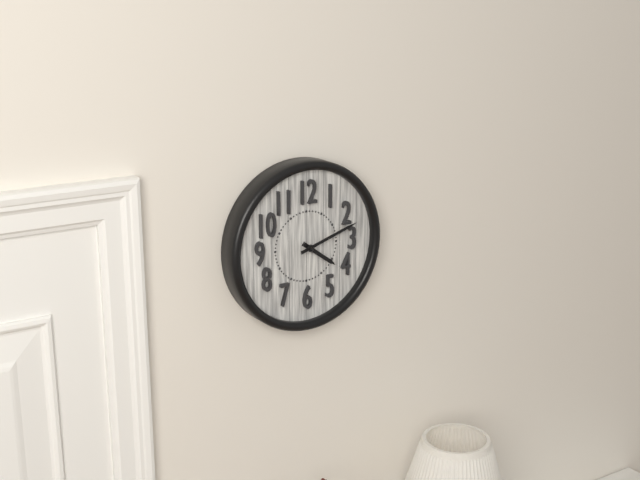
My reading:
h=4 m=12
